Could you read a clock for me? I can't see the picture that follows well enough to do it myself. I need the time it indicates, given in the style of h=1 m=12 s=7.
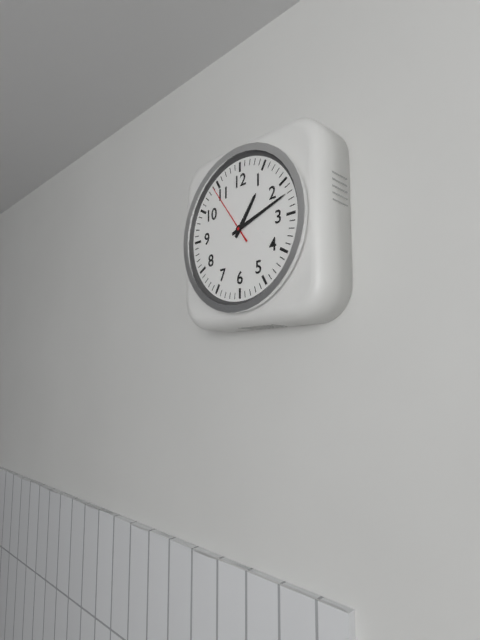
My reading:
h=1 m=12 s=54
